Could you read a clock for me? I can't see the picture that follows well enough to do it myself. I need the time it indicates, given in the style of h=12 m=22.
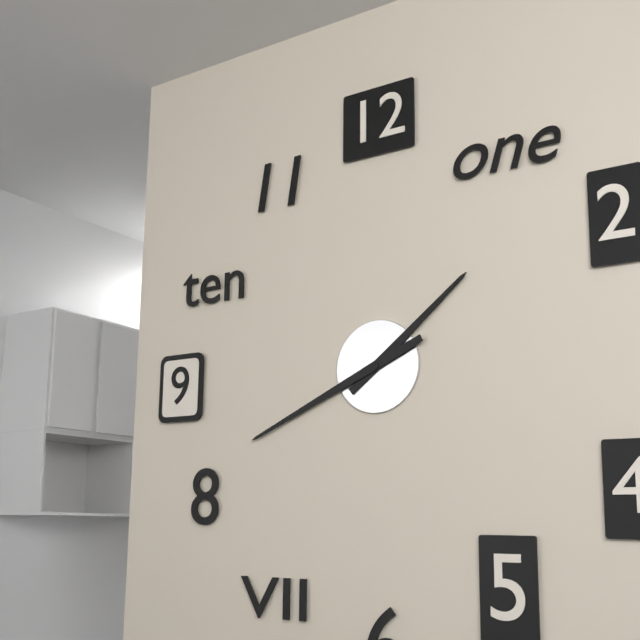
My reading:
h=1 m=41
